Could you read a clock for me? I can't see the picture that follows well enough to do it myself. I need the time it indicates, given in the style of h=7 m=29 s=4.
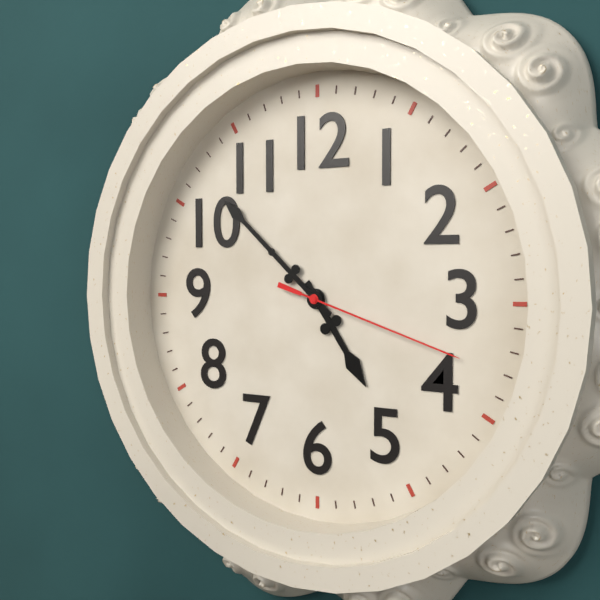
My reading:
h=4 m=52 s=18
